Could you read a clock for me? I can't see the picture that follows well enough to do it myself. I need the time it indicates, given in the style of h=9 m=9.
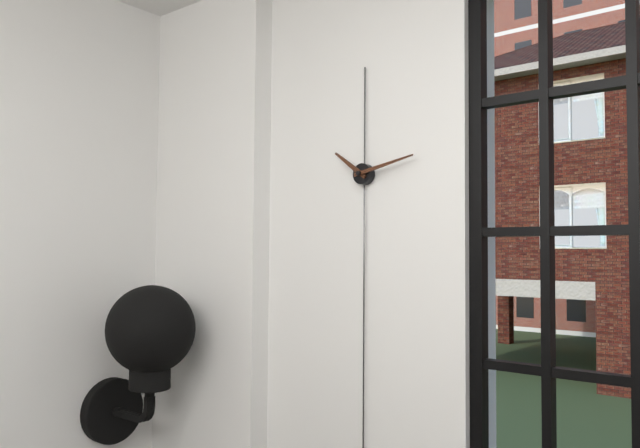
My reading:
h=10 m=13
